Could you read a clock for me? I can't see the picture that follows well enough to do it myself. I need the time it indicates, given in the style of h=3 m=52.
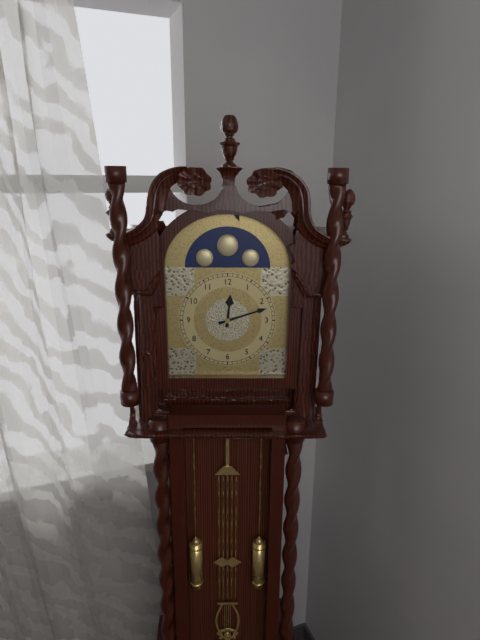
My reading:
h=12 m=12
